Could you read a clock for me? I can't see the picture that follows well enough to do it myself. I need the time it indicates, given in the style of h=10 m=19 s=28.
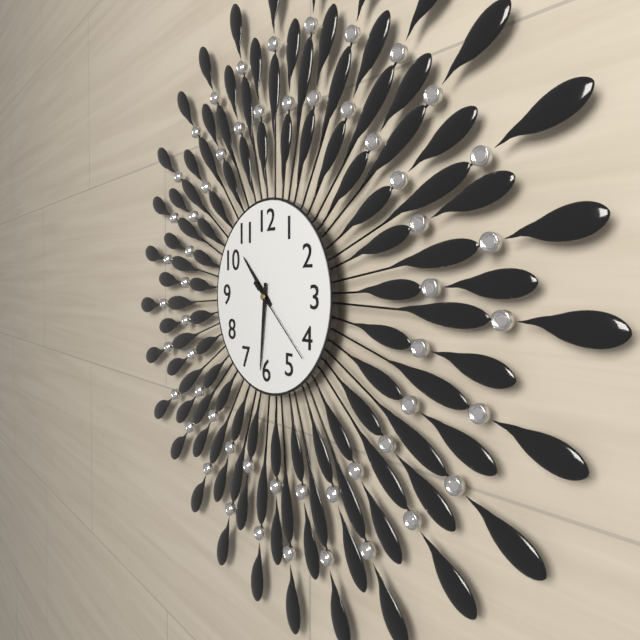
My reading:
h=10 m=31 s=22
